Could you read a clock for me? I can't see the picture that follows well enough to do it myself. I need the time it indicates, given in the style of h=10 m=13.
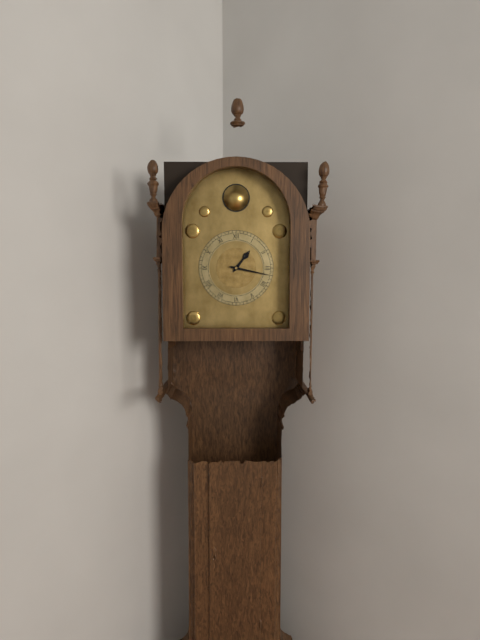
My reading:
h=1 m=17
